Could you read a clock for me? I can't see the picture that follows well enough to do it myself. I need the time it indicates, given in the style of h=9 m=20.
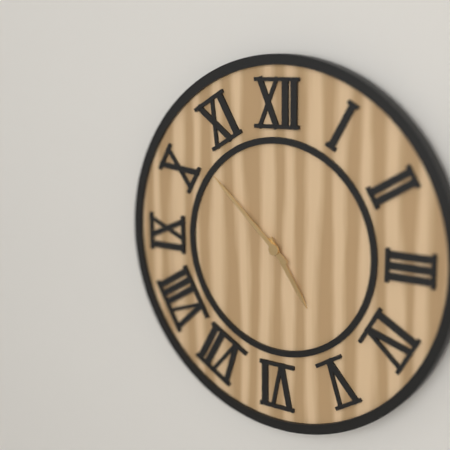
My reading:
h=4 m=52
